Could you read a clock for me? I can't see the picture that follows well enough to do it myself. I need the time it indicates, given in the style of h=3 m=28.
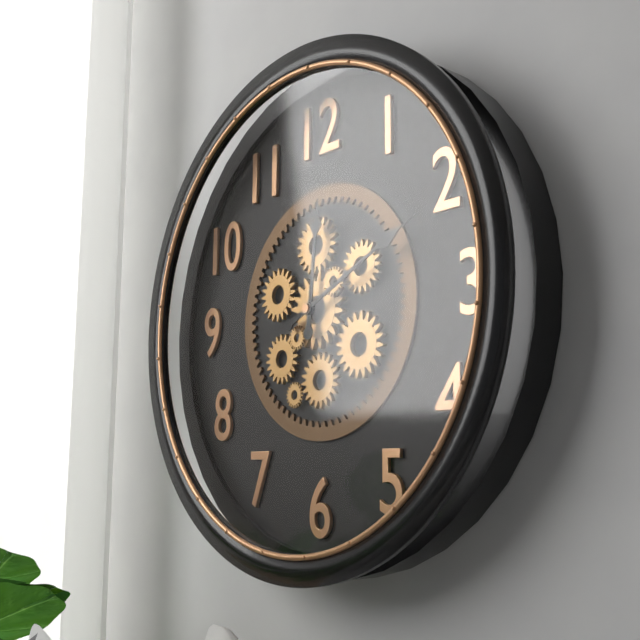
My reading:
h=12 m=11
